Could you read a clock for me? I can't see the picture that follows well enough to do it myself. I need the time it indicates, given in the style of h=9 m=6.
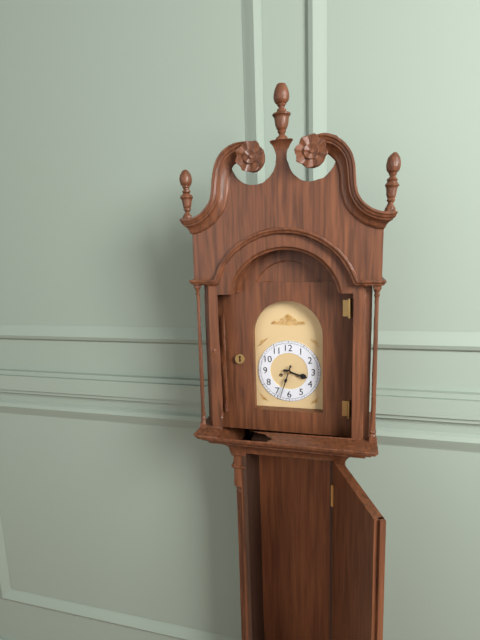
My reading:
h=3 m=33
